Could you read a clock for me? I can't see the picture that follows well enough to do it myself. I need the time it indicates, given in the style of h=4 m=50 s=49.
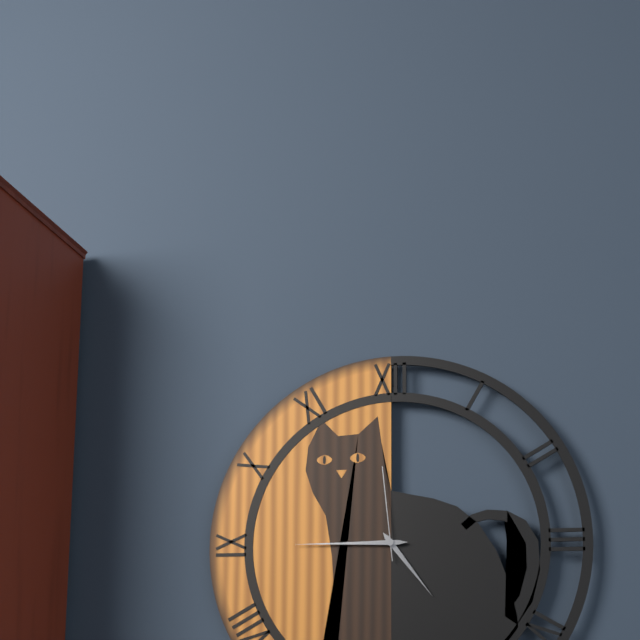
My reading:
h=4 m=45 s=59
